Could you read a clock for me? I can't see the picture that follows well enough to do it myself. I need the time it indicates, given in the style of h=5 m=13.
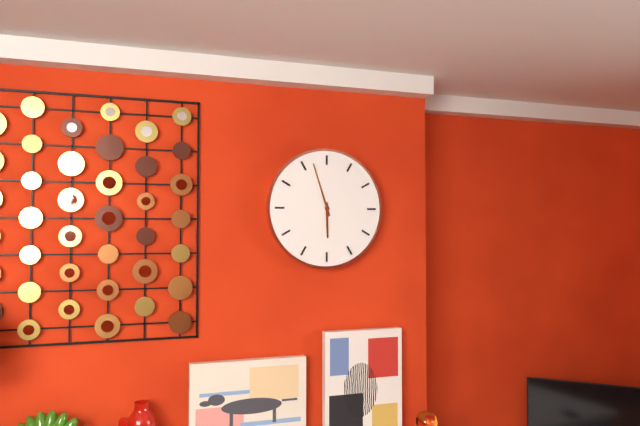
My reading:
h=5 m=57
